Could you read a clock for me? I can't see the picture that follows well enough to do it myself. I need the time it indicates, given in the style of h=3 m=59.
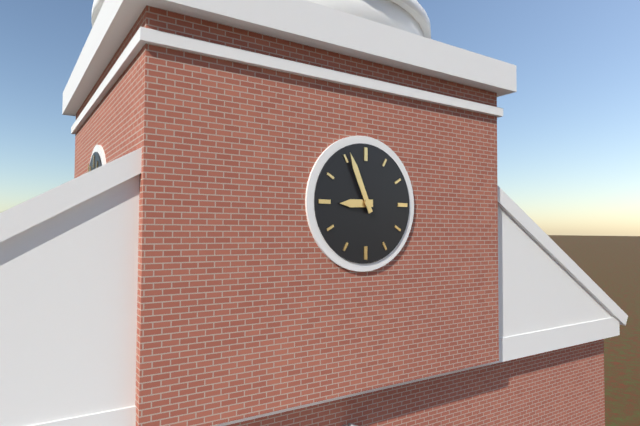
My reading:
h=8 m=56
